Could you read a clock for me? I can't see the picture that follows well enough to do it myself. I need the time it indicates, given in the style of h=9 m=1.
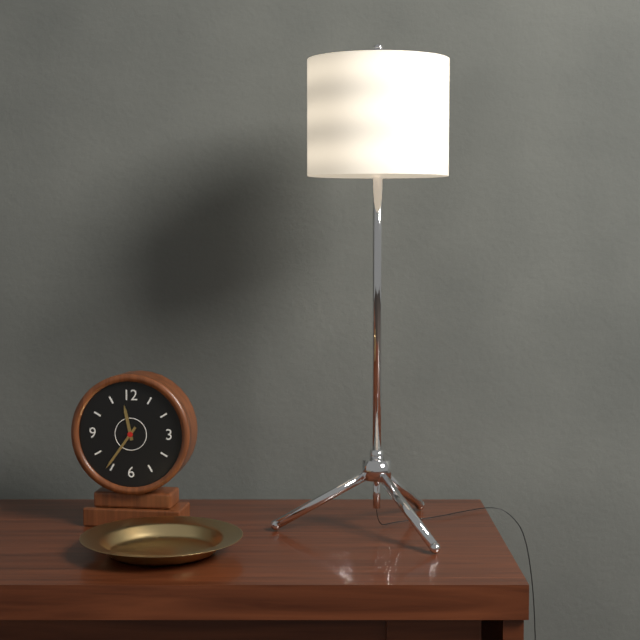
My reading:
h=11 m=36
